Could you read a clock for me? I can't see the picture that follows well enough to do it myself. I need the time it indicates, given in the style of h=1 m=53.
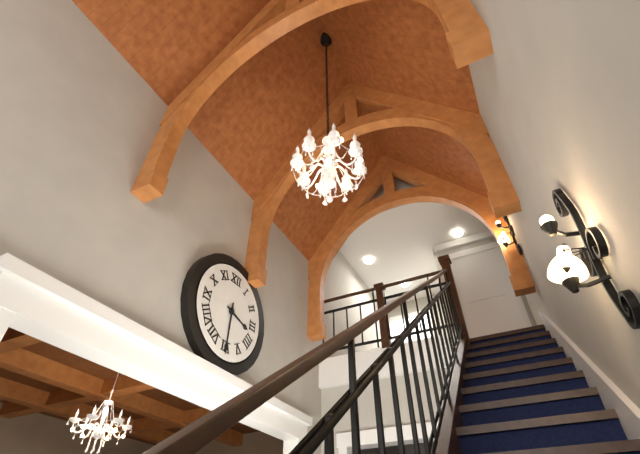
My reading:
h=3 m=30
